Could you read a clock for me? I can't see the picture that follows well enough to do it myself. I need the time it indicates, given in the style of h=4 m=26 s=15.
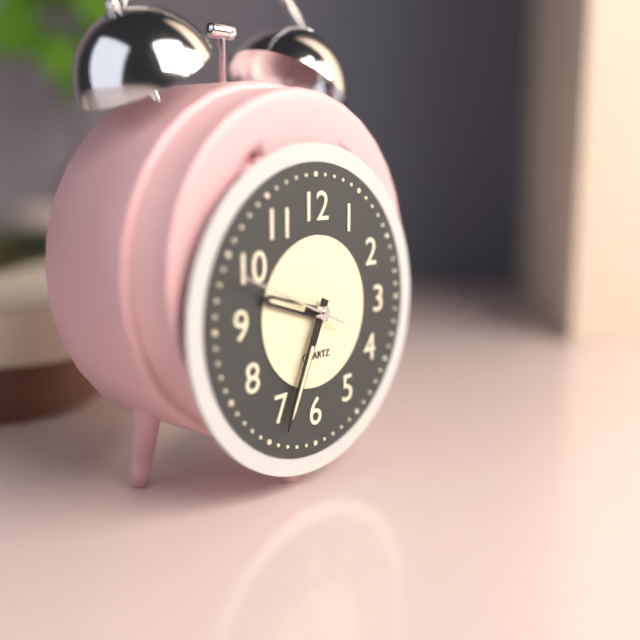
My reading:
h=9 m=34 s=49
